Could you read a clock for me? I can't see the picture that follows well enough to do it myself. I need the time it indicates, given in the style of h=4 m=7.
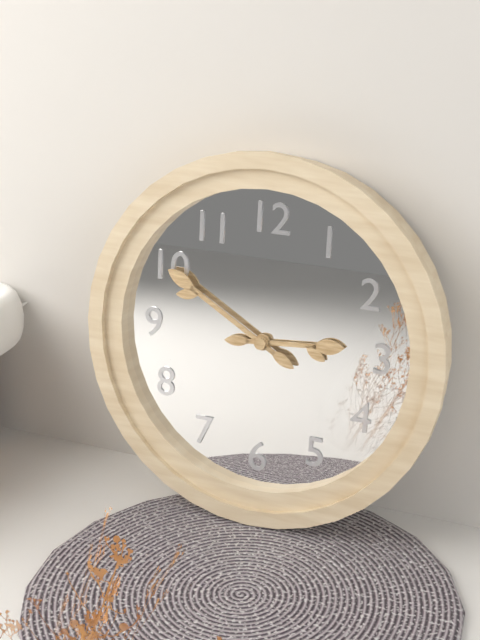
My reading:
h=2 m=50
